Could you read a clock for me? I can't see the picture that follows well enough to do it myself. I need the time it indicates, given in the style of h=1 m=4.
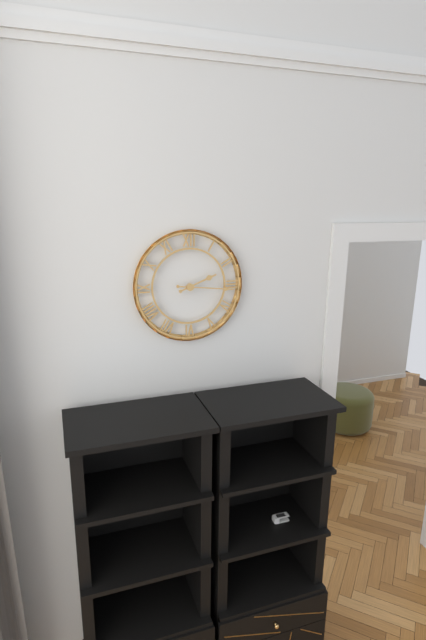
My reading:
h=2 m=16
